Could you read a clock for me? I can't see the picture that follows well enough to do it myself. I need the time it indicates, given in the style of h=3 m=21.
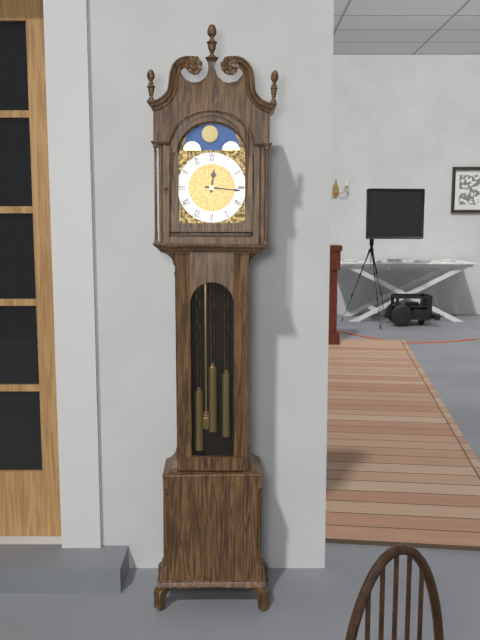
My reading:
h=12 m=16
